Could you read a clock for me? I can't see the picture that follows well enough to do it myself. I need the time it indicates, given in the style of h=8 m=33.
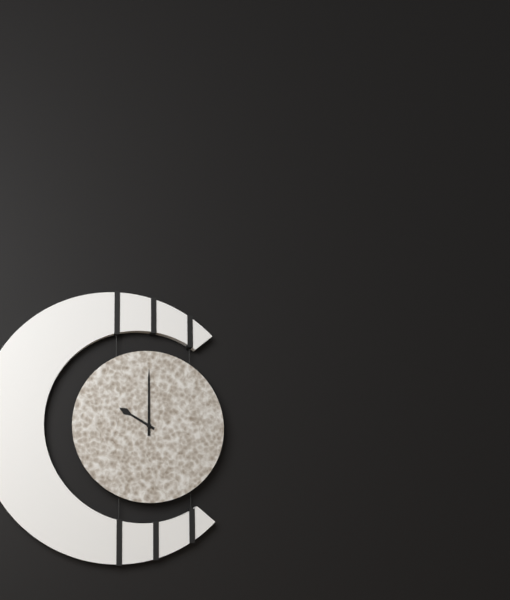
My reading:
h=10 m=0
